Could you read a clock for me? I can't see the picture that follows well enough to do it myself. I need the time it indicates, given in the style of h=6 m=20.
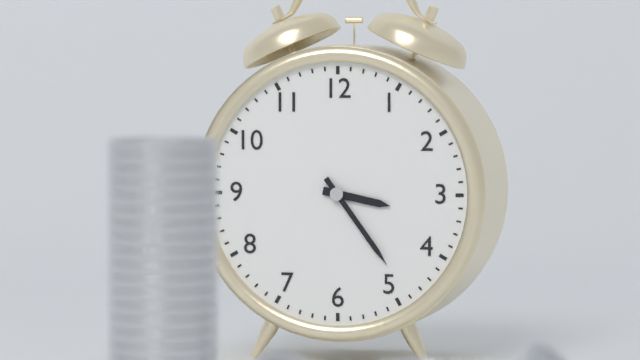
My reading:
h=3 m=24
